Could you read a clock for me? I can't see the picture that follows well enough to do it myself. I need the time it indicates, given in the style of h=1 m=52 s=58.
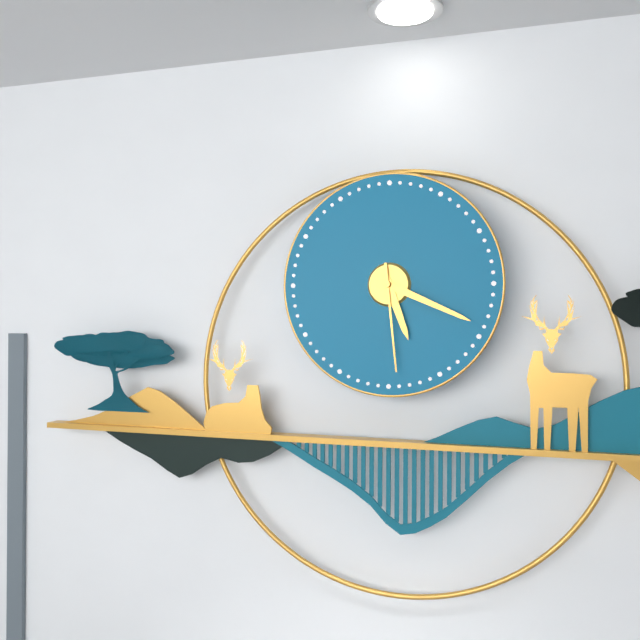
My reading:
h=5 m=19 s=29
